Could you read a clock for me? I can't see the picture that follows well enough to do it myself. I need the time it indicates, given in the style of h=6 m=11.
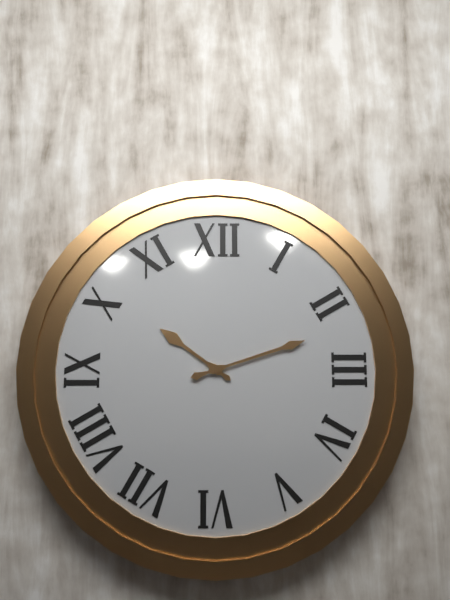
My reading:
h=10 m=12
